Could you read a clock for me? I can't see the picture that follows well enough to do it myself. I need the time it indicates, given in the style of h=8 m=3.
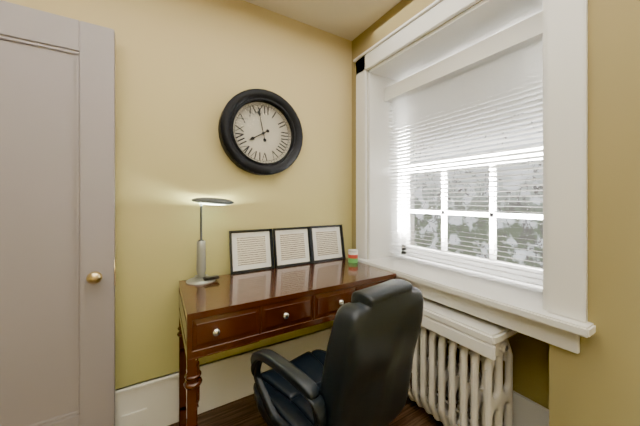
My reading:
h=7 m=58
